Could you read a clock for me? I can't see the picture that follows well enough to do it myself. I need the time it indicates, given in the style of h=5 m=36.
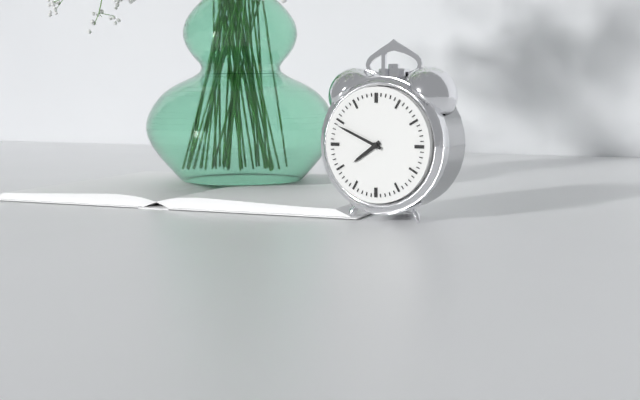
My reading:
h=7 m=49
